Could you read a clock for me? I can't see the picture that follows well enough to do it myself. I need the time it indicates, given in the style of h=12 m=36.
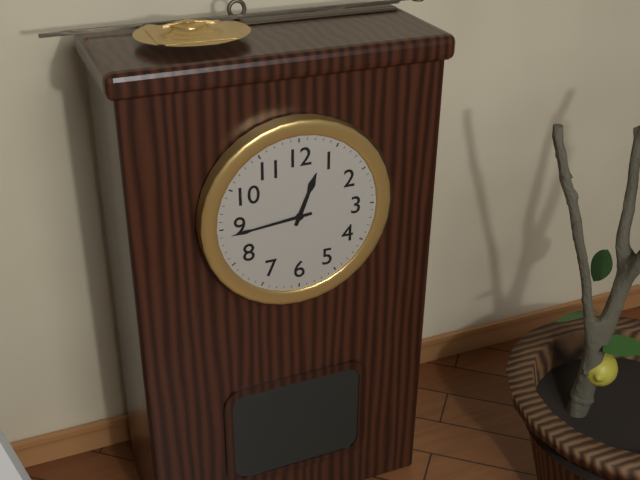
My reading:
h=12 m=44
